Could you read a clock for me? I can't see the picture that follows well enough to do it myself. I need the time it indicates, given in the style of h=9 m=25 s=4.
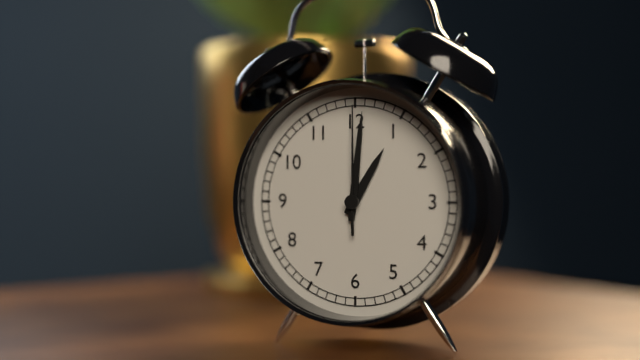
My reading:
h=1 m=1 s=0
